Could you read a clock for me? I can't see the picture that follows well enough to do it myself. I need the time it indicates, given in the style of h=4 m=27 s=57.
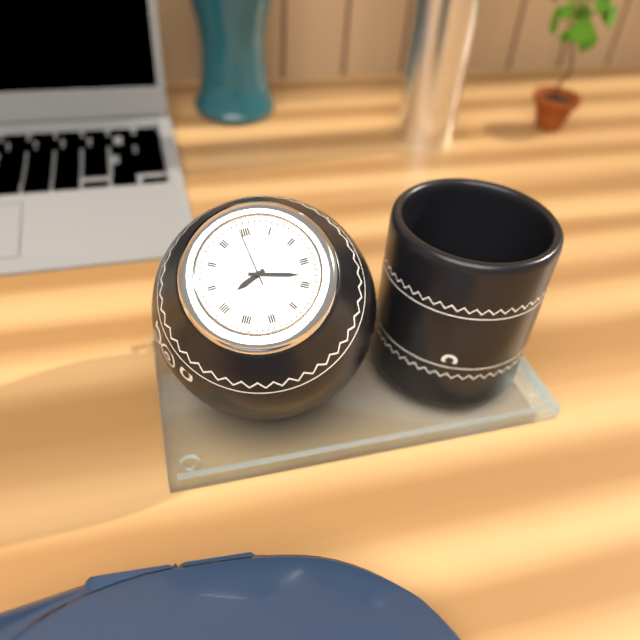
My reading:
h=8 m=18 s=59
